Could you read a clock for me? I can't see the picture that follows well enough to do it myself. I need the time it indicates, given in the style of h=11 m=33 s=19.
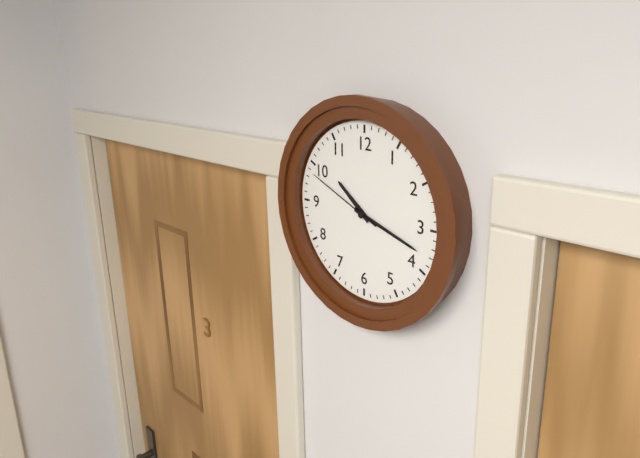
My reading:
h=10 m=18 s=49
